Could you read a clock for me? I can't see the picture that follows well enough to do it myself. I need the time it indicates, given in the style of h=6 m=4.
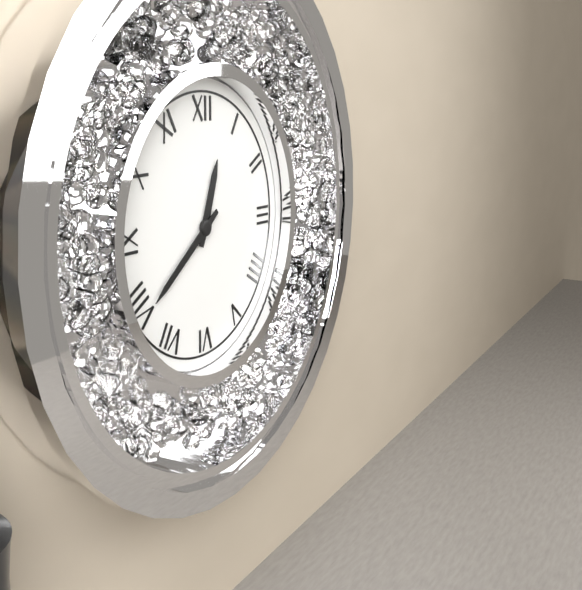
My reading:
h=12 m=39
